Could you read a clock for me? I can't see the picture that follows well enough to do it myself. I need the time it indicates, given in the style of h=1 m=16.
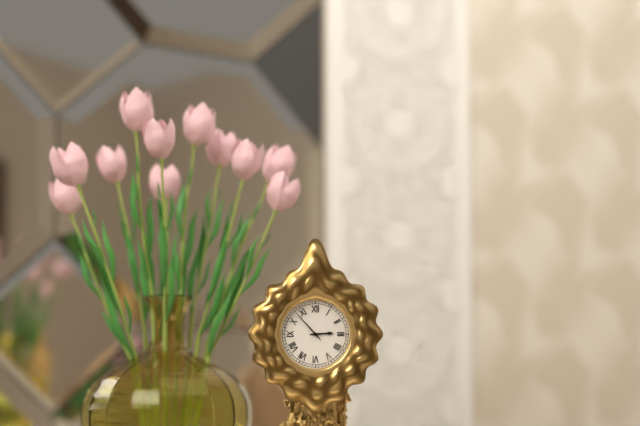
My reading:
h=2 m=53
